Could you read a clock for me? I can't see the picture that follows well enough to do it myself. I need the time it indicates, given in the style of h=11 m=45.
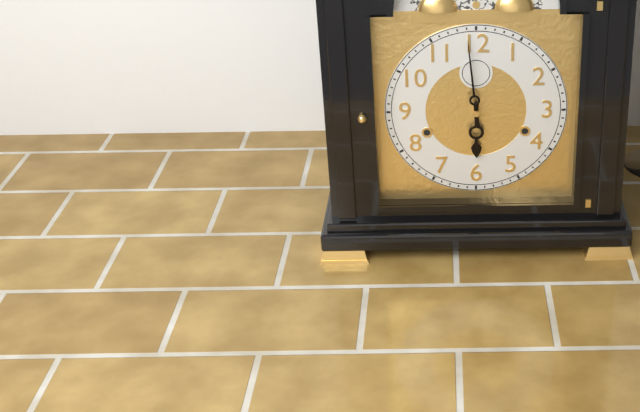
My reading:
h=5 m=59
